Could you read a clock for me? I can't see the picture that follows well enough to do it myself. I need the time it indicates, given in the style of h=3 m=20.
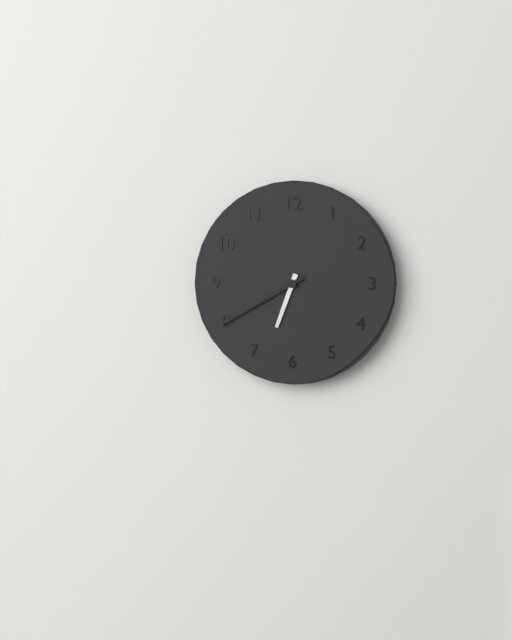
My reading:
h=6 m=40
